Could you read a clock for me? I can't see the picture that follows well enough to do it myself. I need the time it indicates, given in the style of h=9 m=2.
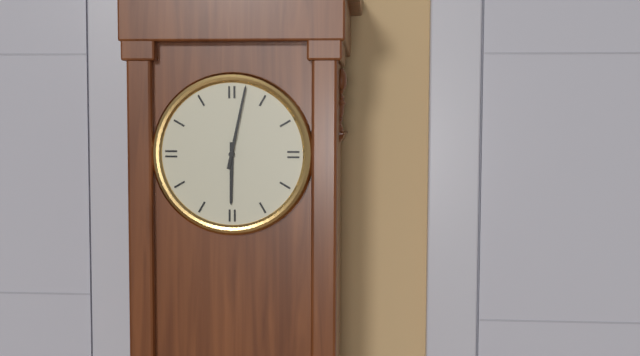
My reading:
h=6 m=2
